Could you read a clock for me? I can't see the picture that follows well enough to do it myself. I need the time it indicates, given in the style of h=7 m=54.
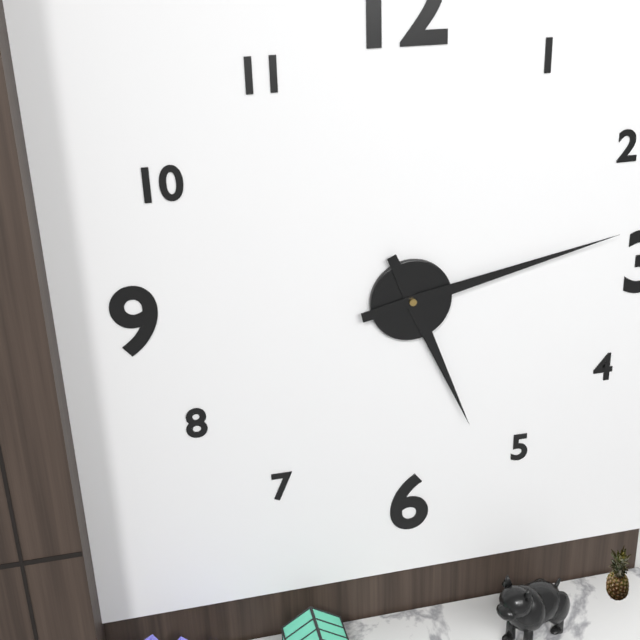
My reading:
h=5 m=13
